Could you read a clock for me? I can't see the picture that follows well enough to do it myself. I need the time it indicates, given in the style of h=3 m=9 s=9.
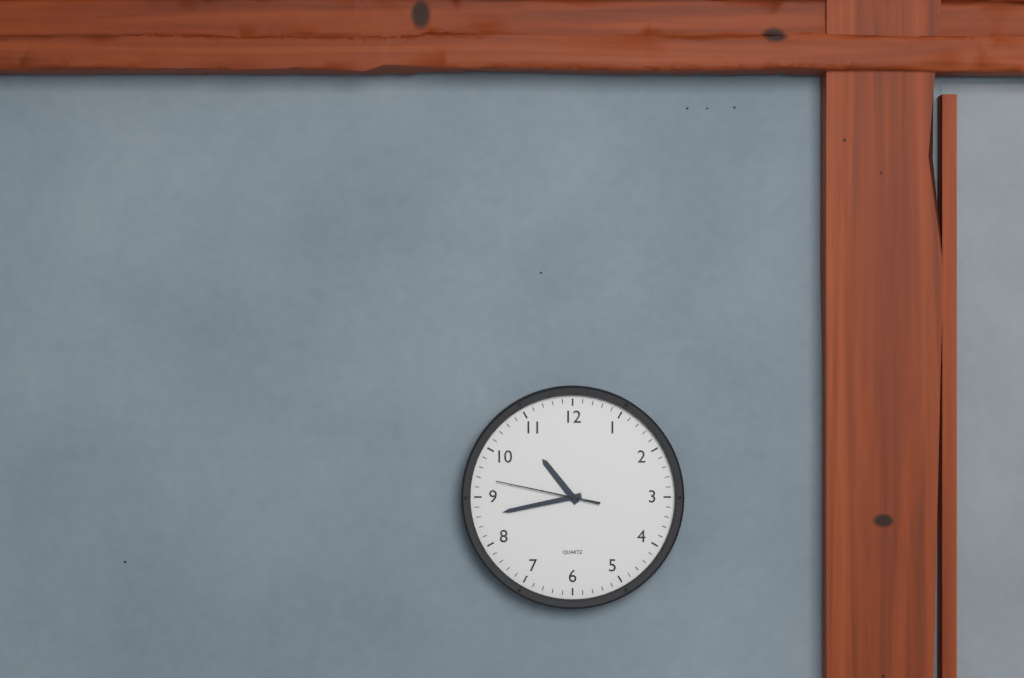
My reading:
h=10 m=43 s=47
